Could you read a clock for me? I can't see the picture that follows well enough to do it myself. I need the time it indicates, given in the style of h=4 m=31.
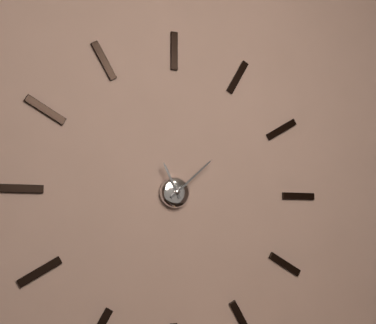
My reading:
h=11 m=8
